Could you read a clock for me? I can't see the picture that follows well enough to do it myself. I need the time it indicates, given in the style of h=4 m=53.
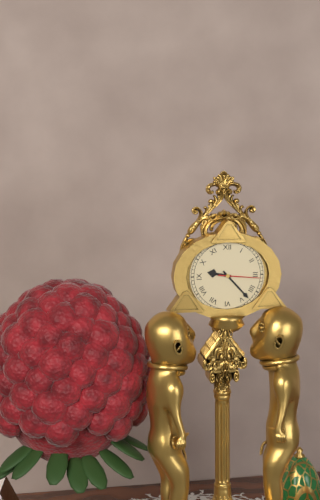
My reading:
h=9 m=23
